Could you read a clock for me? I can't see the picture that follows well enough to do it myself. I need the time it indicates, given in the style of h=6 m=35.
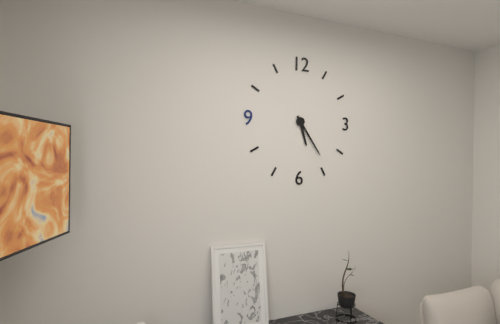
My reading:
h=5 m=24
